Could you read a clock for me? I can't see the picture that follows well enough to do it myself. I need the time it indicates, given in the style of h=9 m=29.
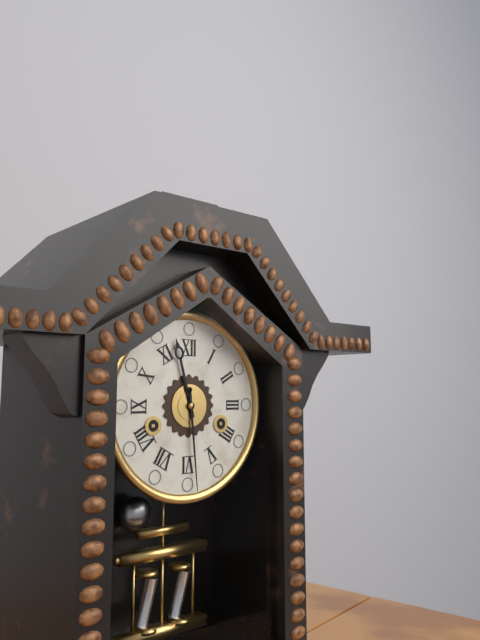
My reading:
h=11 m=29
